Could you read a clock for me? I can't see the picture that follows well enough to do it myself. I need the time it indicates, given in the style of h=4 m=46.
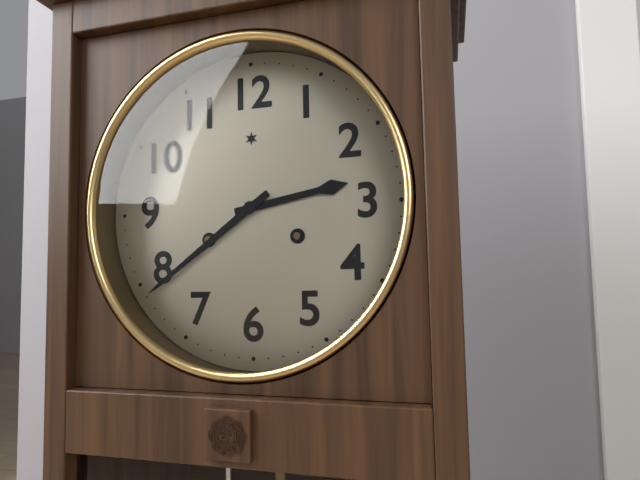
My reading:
h=2 m=39
